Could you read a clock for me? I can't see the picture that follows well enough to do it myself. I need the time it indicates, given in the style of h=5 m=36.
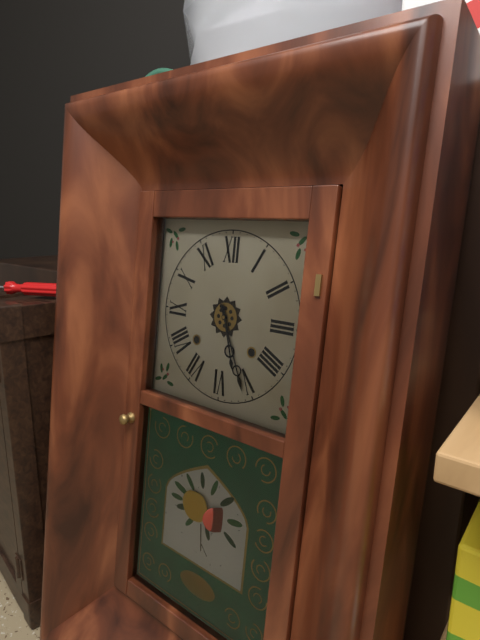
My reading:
h=5 m=26
